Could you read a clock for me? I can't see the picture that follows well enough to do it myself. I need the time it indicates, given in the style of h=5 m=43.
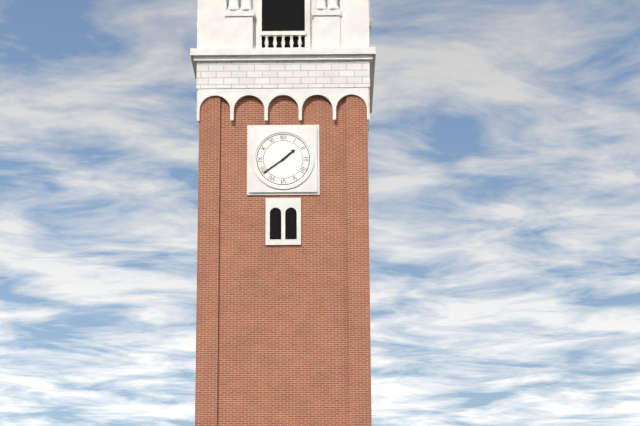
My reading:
h=1 m=39
